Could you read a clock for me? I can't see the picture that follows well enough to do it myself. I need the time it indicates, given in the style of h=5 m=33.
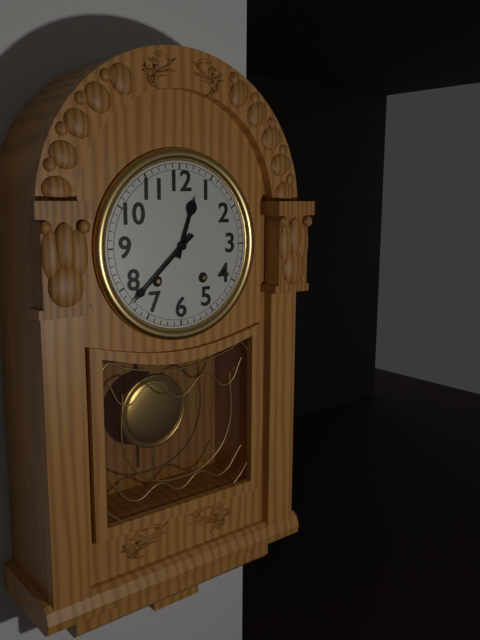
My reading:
h=12 m=38
